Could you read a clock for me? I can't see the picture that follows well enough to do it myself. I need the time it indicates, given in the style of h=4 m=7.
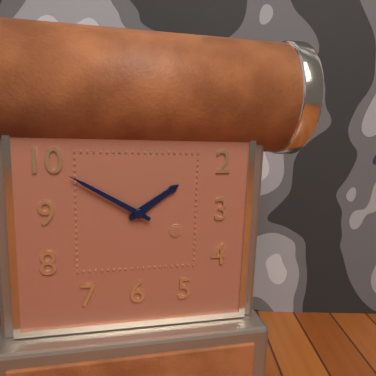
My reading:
h=1 m=50
